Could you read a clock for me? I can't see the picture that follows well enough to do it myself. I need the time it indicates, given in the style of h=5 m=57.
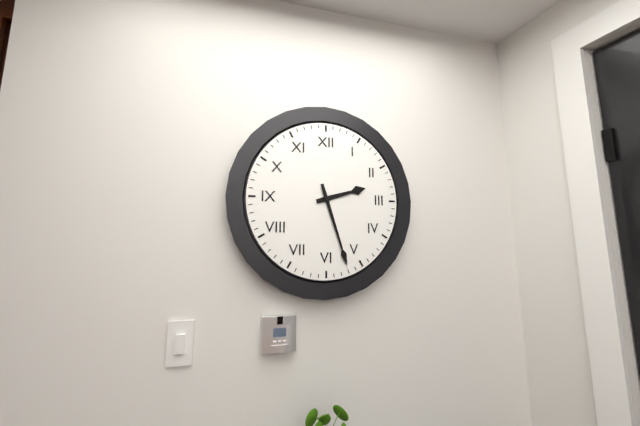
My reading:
h=2 m=27
